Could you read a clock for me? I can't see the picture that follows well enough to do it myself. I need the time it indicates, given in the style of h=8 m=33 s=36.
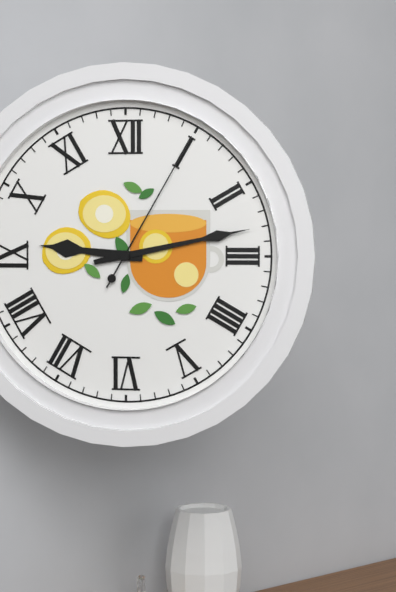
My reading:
h=9 m=13 s=5
